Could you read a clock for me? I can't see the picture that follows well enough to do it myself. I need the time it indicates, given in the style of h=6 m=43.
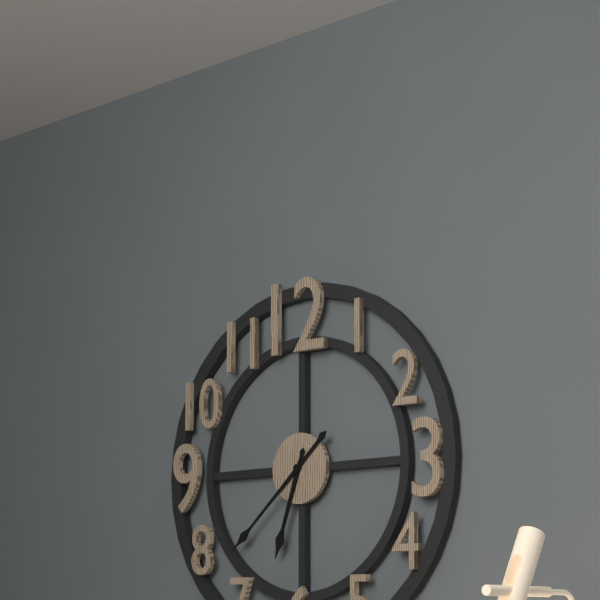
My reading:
h=6 m=38
